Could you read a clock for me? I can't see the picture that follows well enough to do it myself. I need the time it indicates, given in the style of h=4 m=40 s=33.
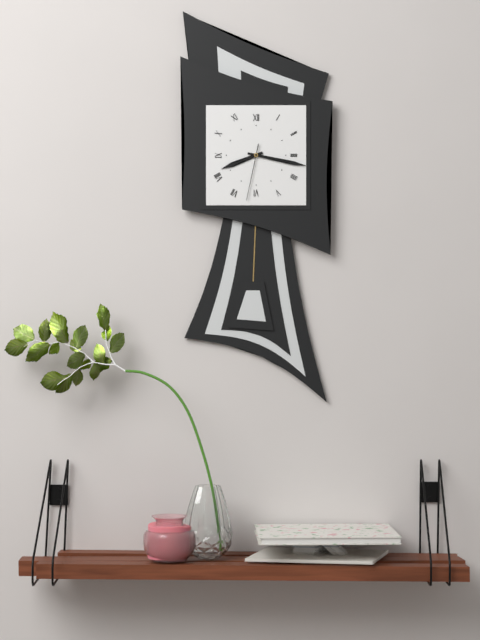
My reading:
h=8 m=17 s=32
